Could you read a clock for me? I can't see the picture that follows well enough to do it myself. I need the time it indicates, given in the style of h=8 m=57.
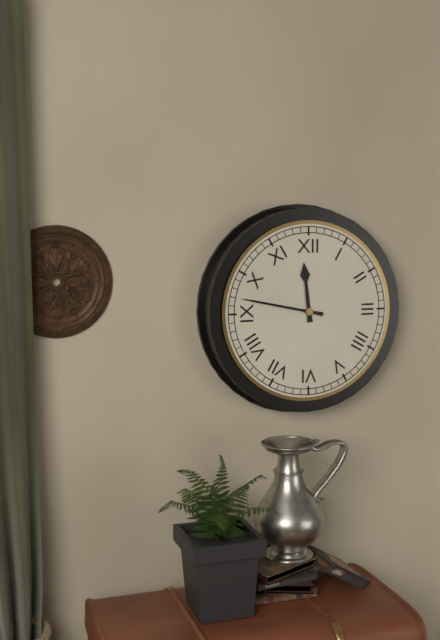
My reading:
h=11 m=47
